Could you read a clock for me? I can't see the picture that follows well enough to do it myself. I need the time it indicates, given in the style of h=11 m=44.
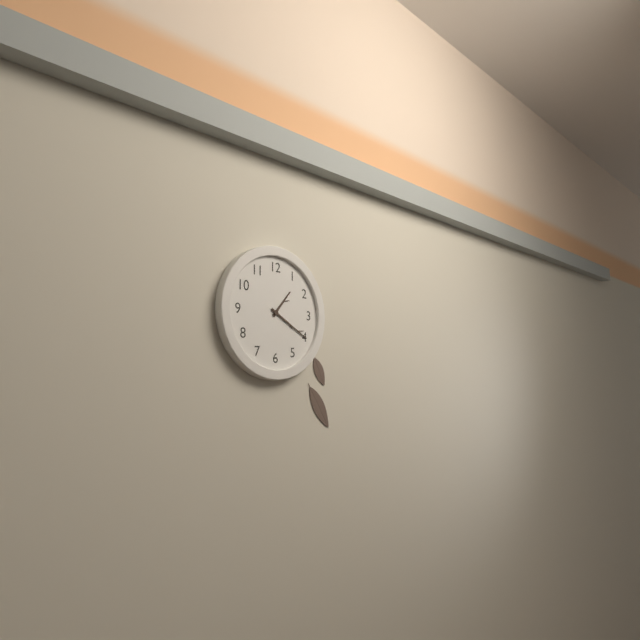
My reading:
h=1 m=20
